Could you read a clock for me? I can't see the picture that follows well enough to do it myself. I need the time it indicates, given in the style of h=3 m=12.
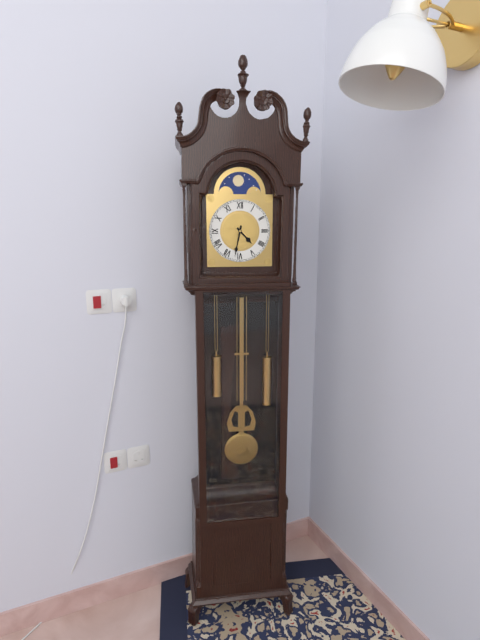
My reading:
h=4 m=32
